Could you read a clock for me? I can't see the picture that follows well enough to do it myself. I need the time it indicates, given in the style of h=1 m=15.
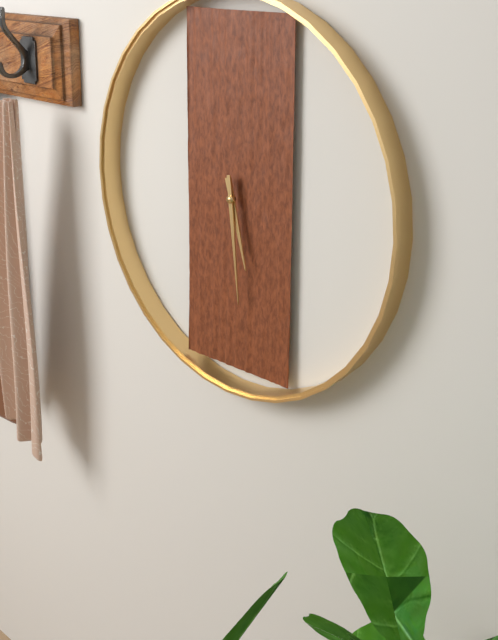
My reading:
h=5 m=29
